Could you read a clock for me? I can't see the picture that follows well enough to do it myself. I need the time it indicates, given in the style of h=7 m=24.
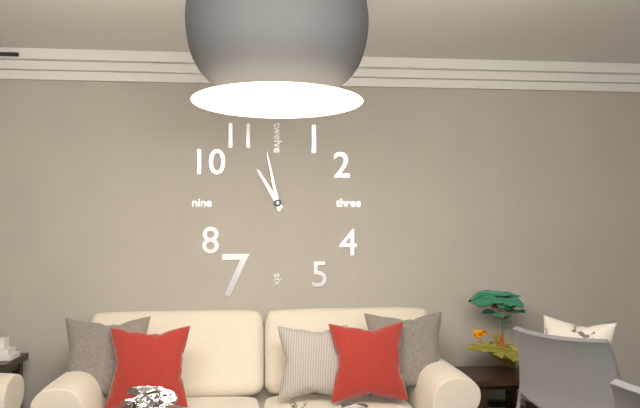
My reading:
h=10 m=58
